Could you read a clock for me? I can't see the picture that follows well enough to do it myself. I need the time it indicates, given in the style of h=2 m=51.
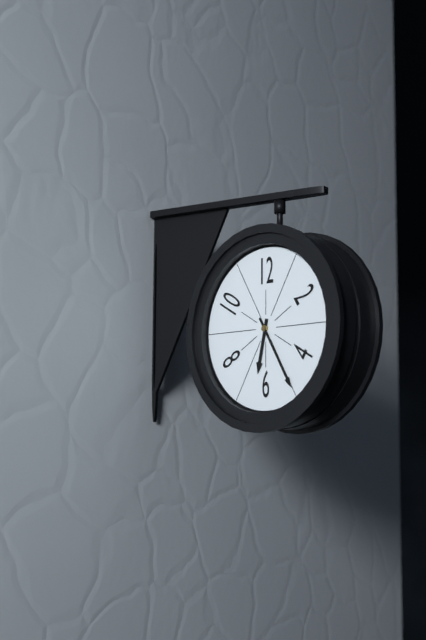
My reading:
h=6 m=25
